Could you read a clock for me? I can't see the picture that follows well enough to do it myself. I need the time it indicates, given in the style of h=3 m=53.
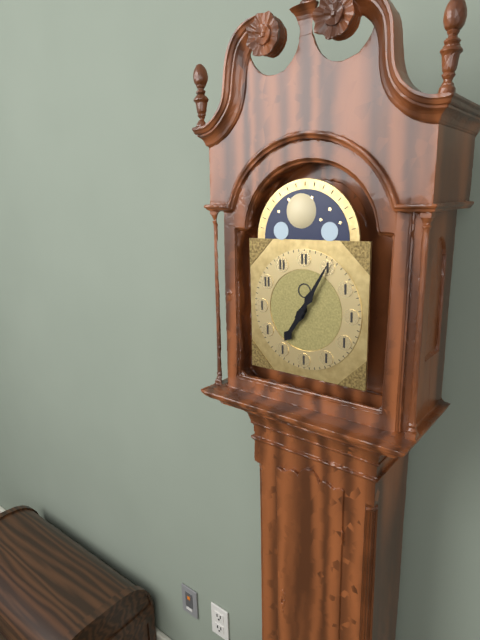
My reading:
h=7 m=5
